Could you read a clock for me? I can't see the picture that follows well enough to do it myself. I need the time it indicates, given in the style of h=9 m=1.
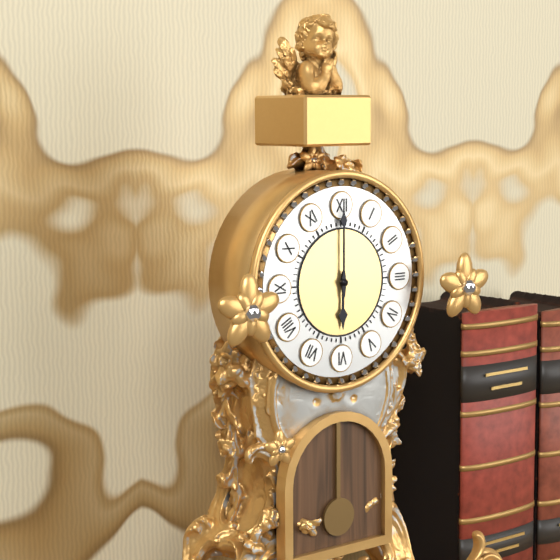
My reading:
h=6 m=0
